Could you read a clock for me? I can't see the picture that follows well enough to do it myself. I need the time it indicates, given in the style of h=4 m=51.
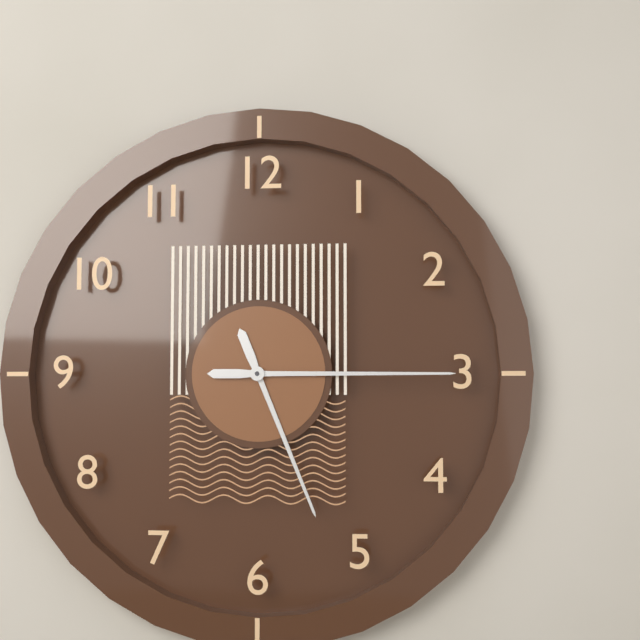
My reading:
h=5 m=15
